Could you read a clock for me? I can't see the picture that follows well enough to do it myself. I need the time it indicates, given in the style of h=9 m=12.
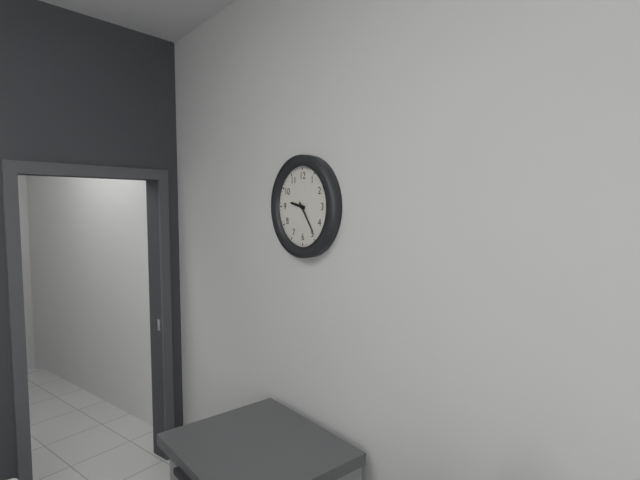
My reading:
h=9 m=24
